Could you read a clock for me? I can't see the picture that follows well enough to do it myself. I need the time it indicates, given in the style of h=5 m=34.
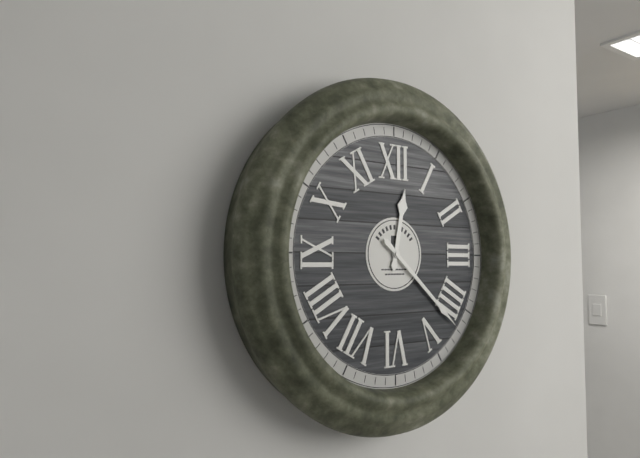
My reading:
h=12 m=22
